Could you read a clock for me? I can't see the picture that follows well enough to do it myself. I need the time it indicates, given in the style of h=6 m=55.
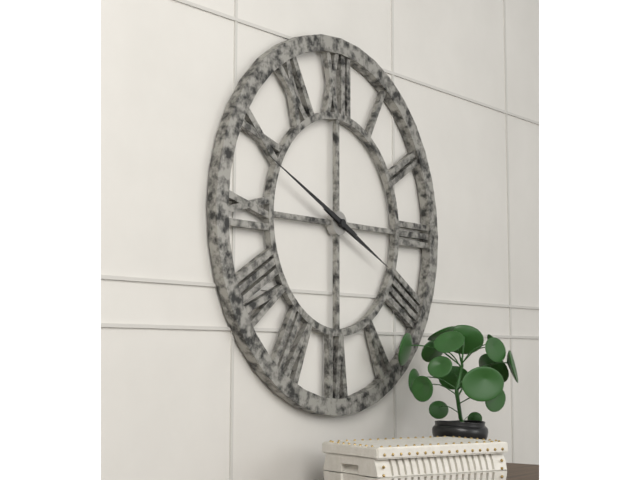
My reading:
h=3 m=49
